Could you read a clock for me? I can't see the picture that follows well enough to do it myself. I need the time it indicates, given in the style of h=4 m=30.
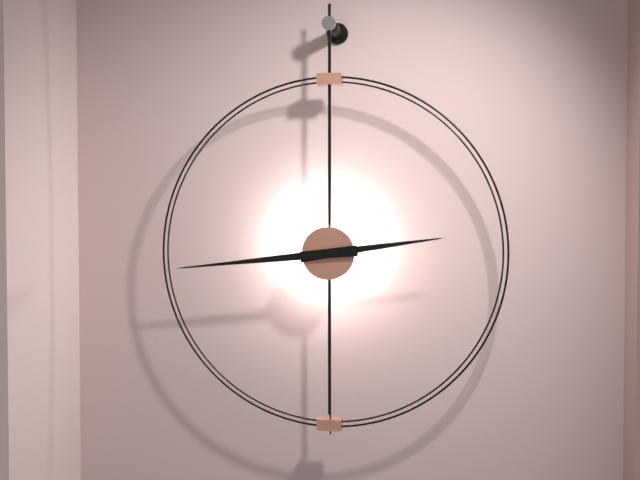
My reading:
h=2 m=44
